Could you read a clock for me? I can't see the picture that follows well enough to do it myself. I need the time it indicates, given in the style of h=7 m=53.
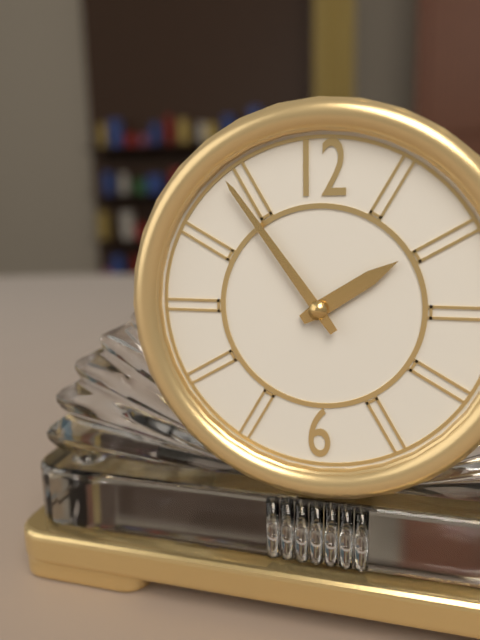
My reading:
h=1 m=54
